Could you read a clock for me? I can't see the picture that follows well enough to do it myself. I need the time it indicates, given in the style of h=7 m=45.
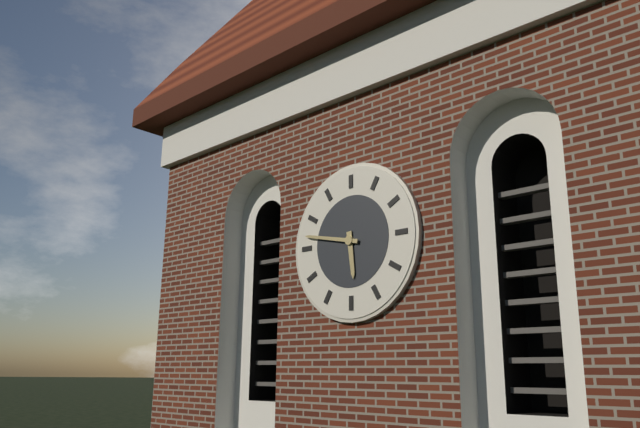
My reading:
h=5 m=47
